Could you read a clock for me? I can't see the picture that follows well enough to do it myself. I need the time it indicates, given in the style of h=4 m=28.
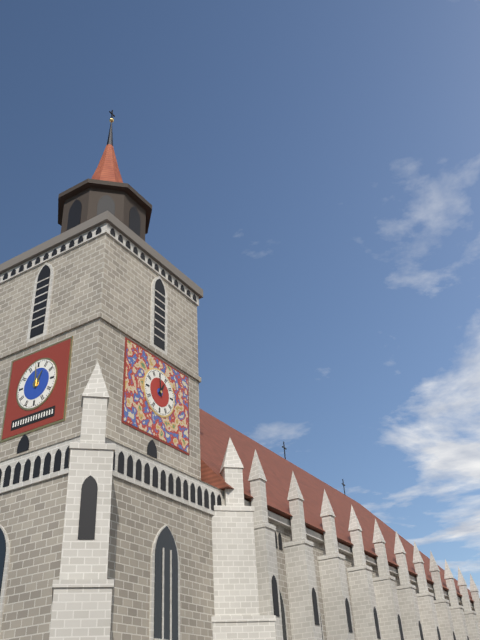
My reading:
h=12 m=59
